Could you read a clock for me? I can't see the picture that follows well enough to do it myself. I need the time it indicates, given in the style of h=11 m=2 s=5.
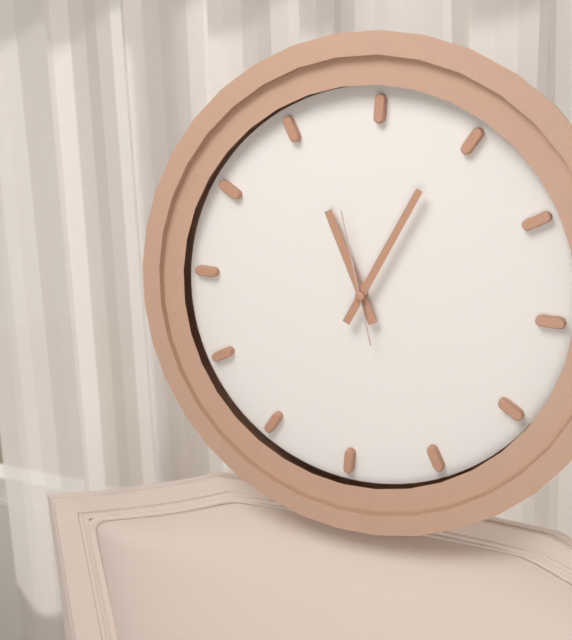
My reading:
h=11 m=4 s=57
